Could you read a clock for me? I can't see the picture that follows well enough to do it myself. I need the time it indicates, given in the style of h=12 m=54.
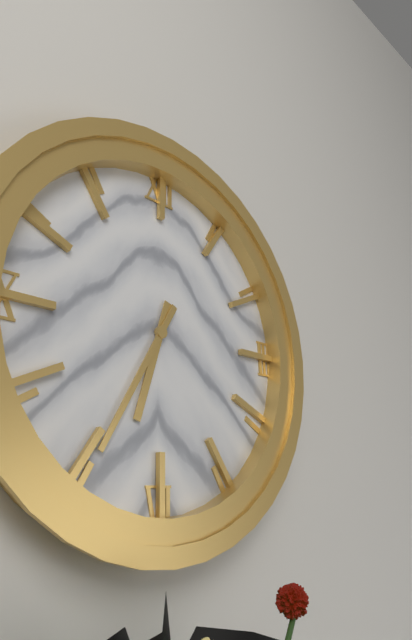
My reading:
h=6 m=35
